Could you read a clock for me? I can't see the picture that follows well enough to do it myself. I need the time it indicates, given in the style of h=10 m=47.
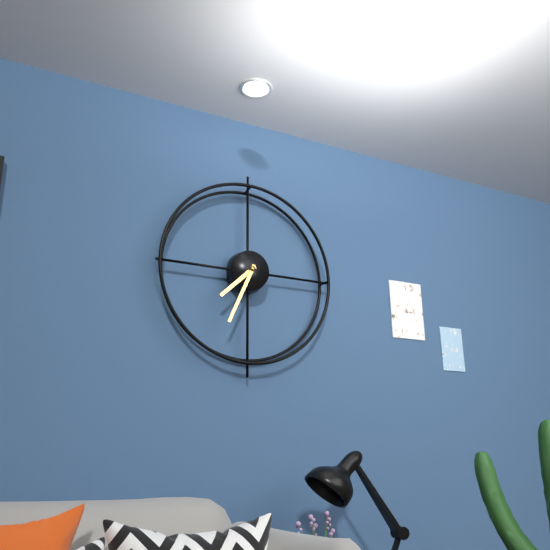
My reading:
h=7 m=34
